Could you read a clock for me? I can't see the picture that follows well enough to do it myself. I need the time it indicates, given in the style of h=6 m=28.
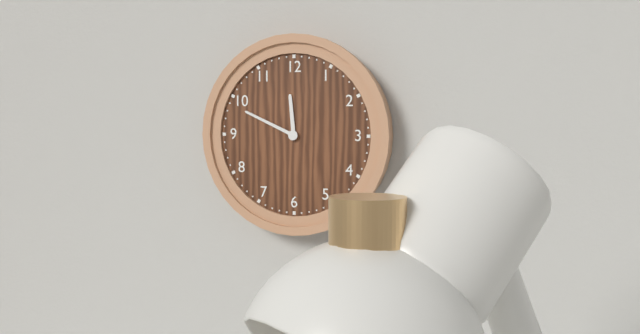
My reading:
h=11 m=49
